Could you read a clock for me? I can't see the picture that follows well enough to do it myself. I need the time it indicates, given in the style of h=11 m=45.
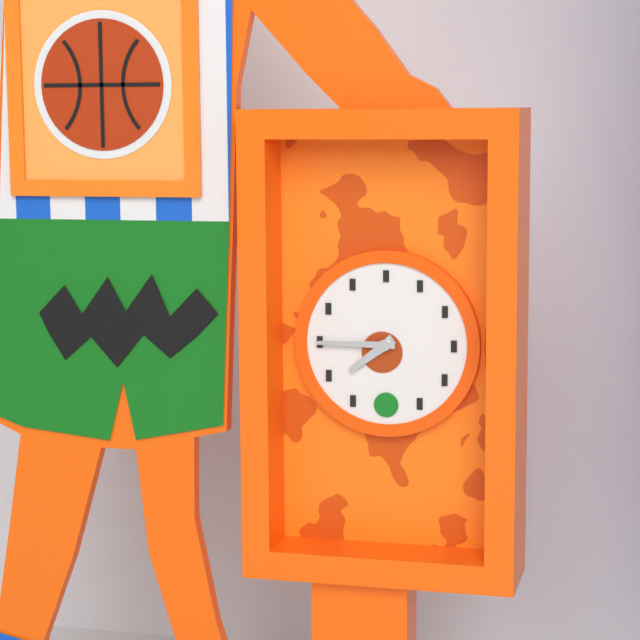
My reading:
h=7 m=45
